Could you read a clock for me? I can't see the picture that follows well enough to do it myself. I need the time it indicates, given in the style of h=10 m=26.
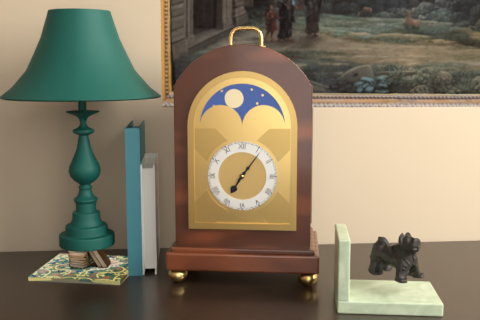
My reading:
h=7 m=6
